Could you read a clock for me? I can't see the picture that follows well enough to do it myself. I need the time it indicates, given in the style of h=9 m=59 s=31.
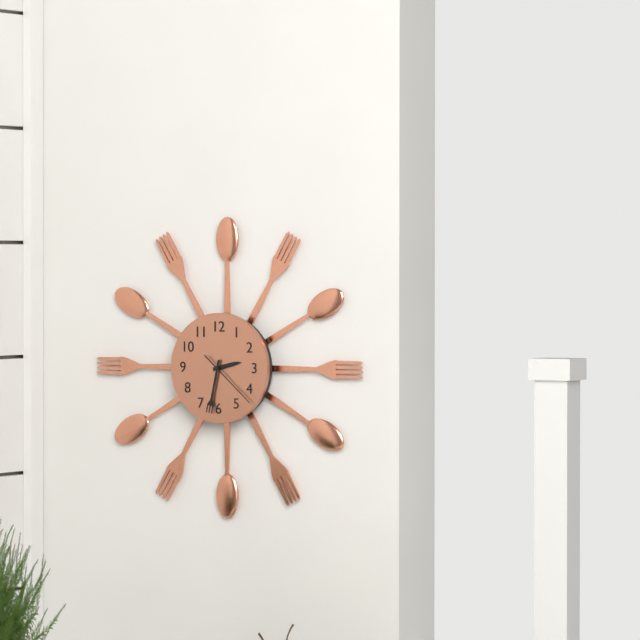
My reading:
h=2 m=32 s=22
